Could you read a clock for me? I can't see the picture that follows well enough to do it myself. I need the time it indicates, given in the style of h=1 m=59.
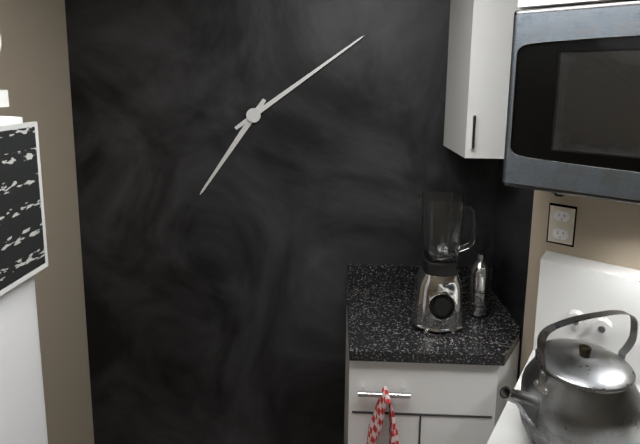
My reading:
h=7 m=9
